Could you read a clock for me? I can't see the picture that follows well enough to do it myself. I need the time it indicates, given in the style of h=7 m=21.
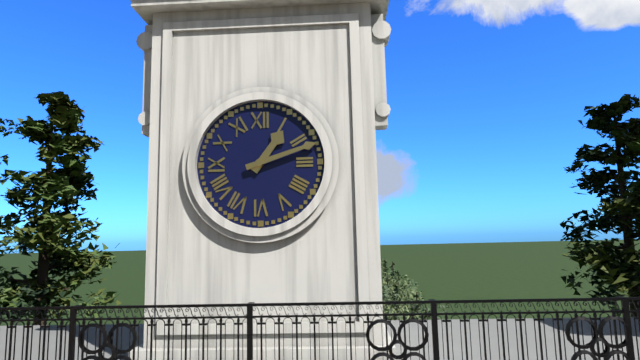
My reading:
h=1 m=12
